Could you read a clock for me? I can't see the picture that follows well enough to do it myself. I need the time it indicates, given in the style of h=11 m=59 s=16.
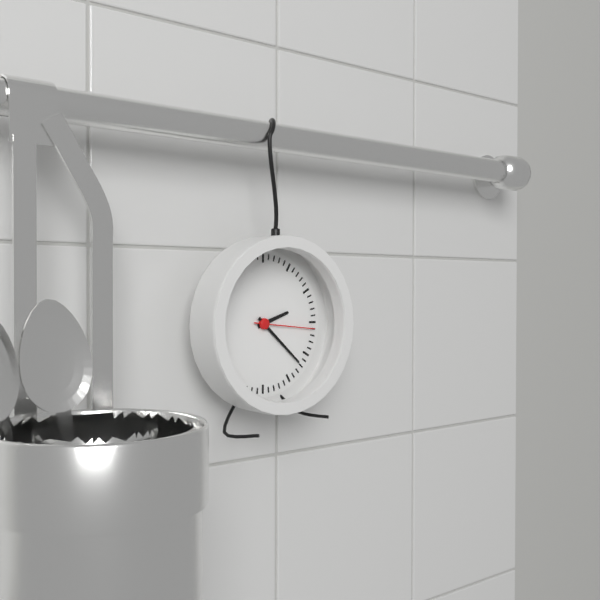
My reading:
h=2 m=22 s=16
